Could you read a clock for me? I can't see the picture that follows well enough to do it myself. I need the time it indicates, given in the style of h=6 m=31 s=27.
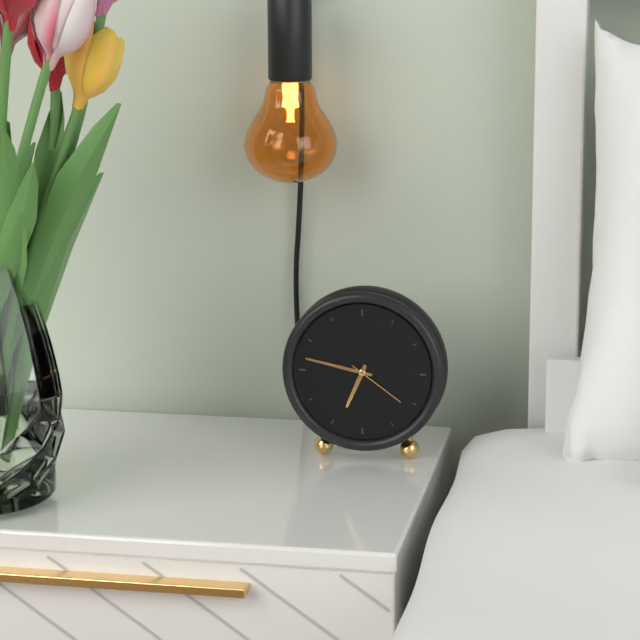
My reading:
h=6 m=47 s=21
